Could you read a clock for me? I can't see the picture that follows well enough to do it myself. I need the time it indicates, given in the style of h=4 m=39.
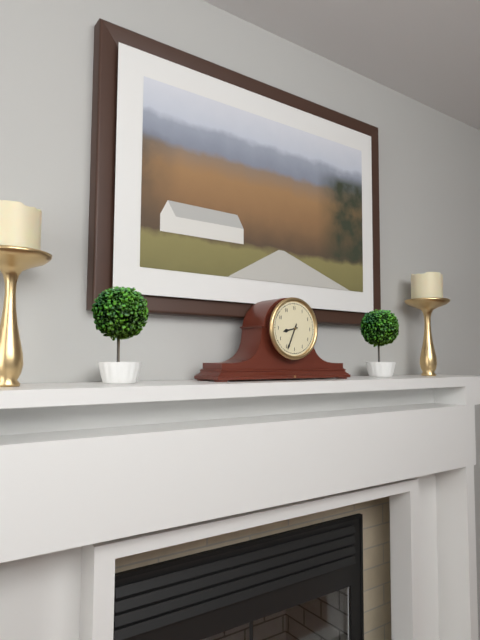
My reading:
h=8 m=34
